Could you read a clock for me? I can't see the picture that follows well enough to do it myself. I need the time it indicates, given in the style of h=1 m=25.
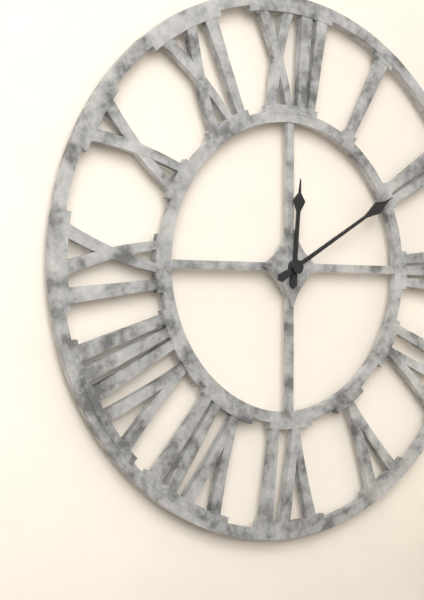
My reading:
h=12 m=10
